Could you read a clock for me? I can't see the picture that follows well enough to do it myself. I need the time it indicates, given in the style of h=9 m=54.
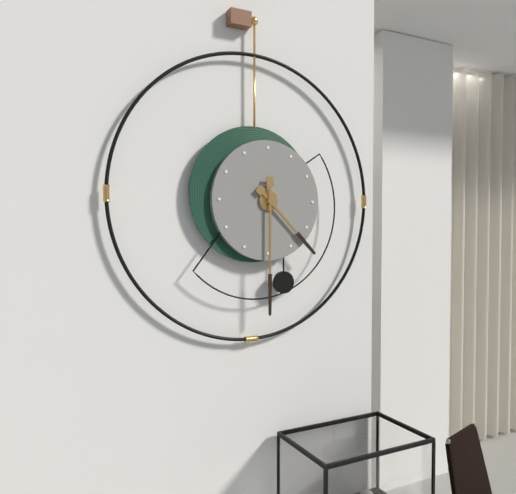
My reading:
h=4 m=30
